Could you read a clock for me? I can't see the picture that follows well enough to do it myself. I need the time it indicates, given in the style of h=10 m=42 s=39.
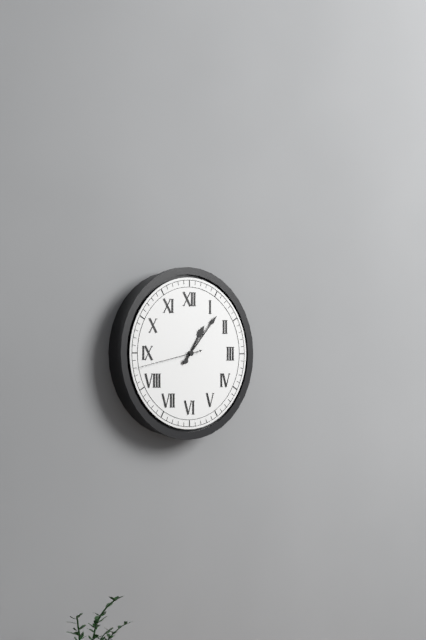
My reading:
h=1 m=7 s=43
